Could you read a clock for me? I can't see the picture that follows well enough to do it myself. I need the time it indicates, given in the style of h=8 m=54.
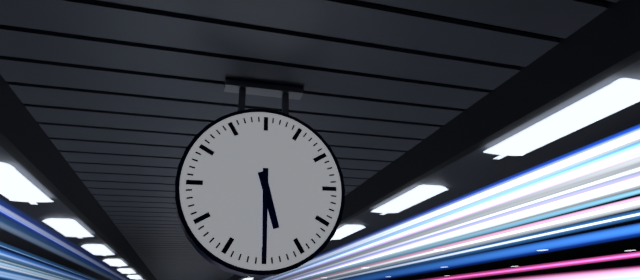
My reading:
h=5 m=30
